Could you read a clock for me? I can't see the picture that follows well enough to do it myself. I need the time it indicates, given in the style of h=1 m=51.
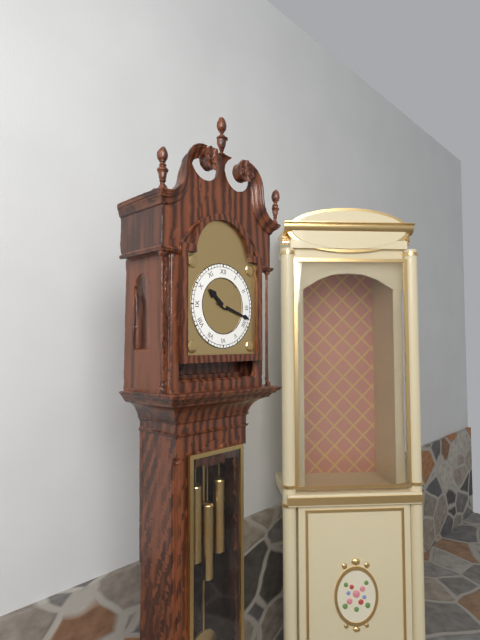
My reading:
h=10 m=18
